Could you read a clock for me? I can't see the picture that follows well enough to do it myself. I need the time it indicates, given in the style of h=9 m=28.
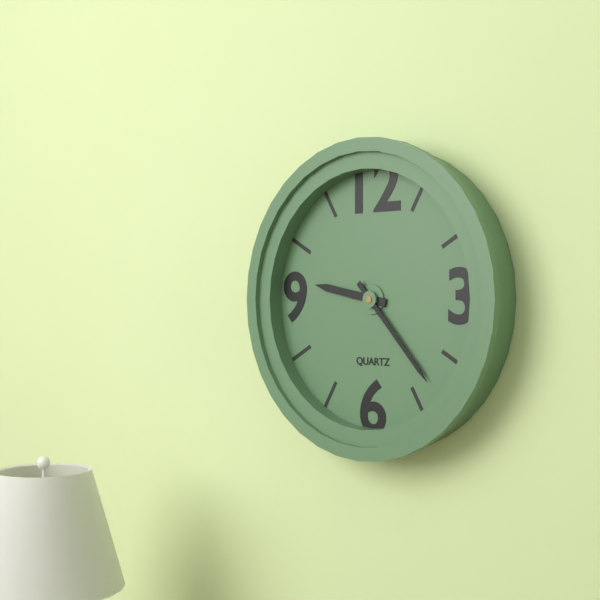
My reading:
h=9 m=23
